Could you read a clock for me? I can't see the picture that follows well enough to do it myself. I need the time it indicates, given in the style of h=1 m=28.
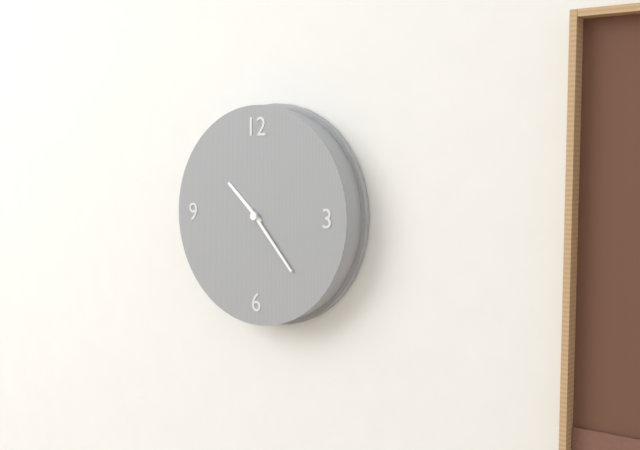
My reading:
h=10 m=23
